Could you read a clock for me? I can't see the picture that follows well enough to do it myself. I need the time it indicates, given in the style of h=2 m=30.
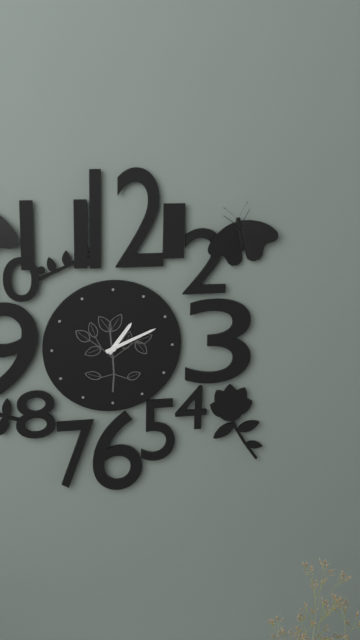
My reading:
h=1 m=11
